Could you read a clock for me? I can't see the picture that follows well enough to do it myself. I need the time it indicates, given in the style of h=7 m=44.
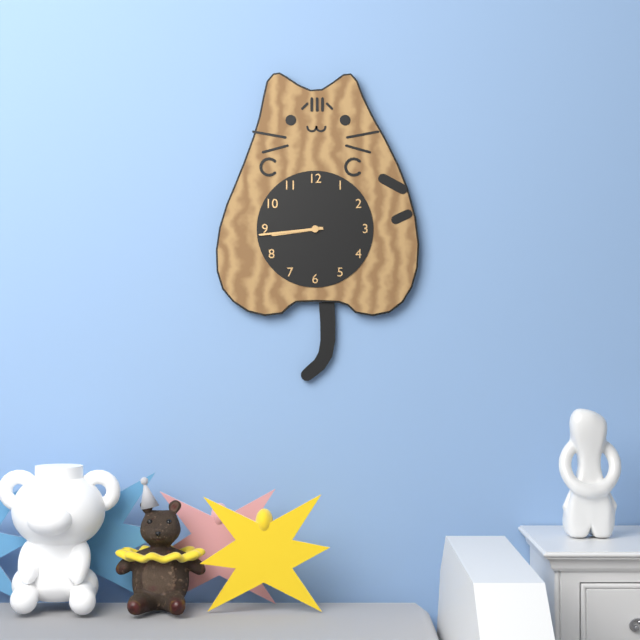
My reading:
h=8 m=44
